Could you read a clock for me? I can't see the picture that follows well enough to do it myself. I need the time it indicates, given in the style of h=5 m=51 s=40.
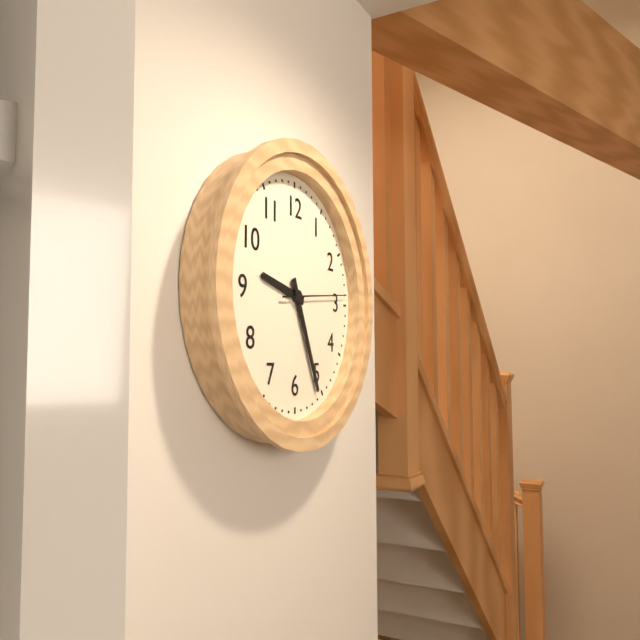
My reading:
h=9 m=26 s=14
